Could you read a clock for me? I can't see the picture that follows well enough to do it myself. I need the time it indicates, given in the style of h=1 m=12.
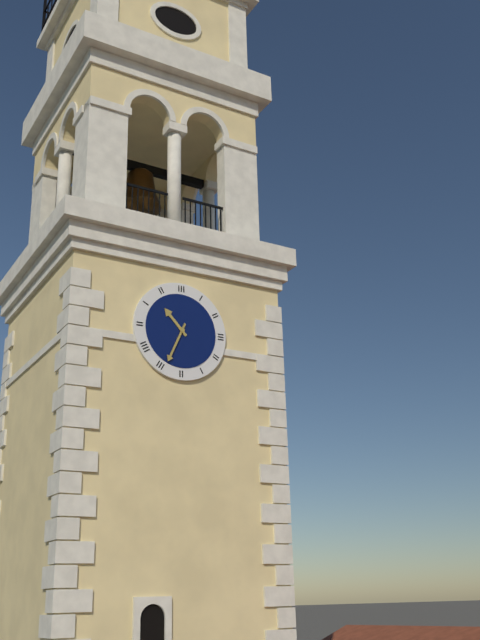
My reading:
h=10 m=34
